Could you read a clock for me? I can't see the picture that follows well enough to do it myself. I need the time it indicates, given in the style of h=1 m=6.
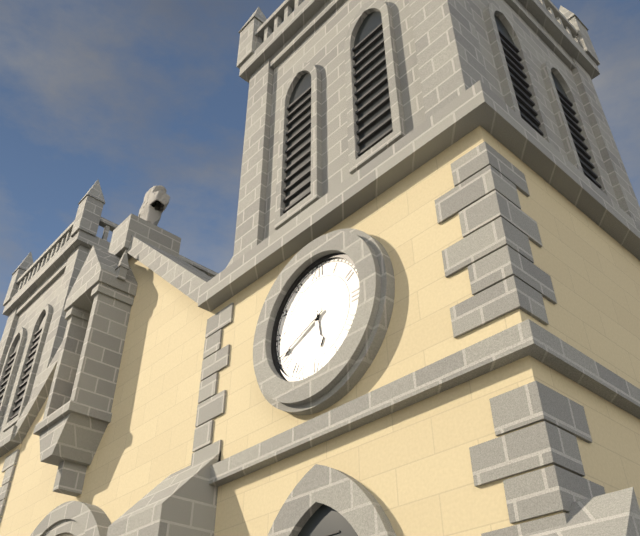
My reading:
h=5 m=41
